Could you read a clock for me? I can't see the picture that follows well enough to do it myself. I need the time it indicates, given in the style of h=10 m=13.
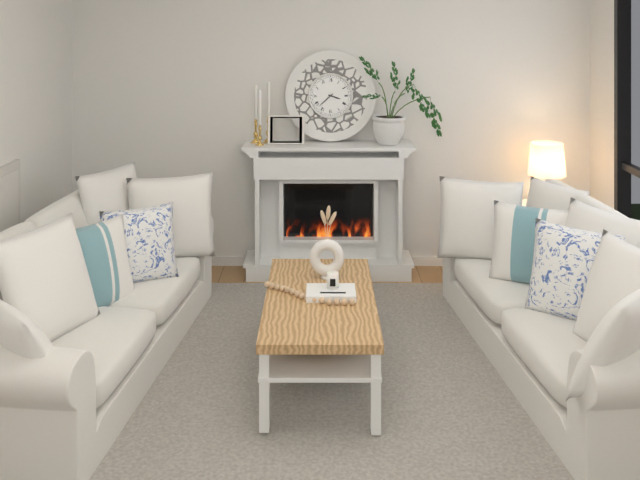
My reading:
h=3 m=38
